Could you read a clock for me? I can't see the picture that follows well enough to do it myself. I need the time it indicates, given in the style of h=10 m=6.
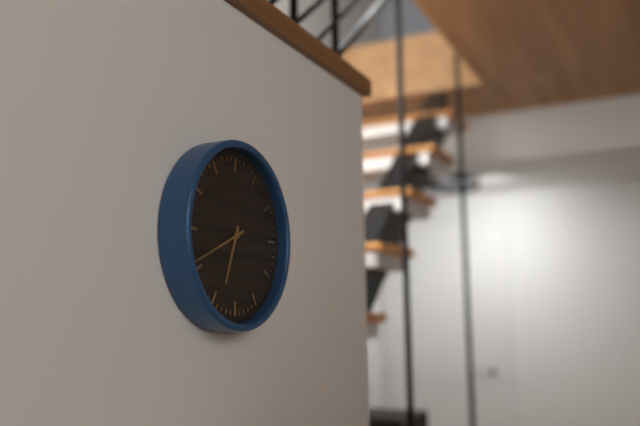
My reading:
h=6 m=41
